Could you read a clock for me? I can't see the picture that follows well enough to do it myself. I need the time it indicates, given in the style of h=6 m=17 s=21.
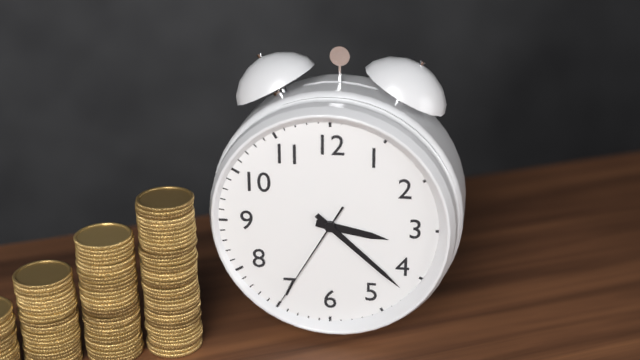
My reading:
h=3 m=22 s=35
